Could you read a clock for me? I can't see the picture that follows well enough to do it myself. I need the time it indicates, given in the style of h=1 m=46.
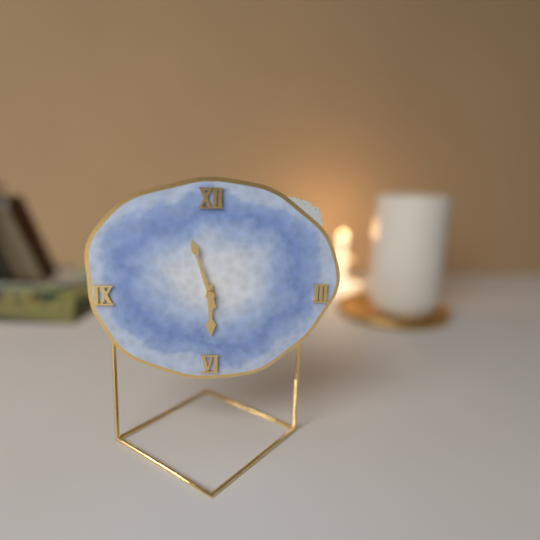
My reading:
h=5 m=57
